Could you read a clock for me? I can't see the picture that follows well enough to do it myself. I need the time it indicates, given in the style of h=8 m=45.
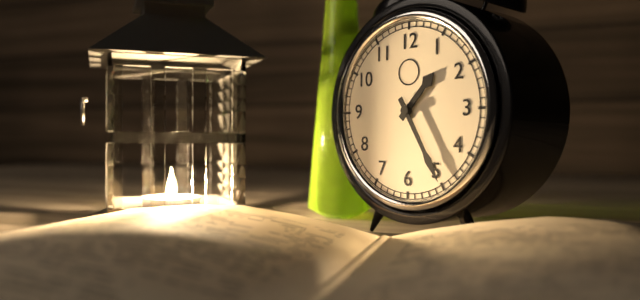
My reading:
h=1 m=25
